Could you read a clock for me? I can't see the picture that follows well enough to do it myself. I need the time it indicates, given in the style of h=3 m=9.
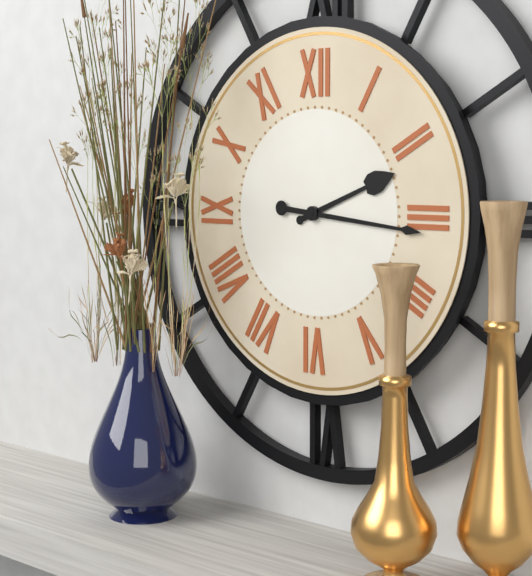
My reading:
h=2 m=16
